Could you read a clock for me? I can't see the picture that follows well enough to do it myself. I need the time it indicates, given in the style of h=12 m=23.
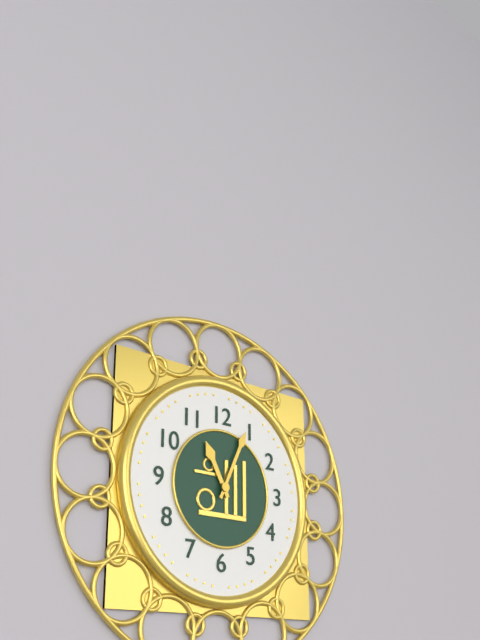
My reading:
h=11 m=4
